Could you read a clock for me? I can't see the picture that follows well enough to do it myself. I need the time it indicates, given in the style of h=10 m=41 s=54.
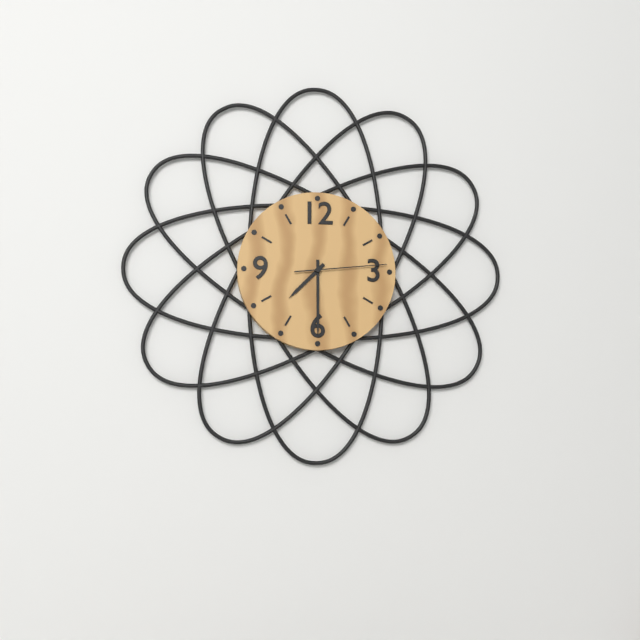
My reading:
h=7 m=30 s=14
